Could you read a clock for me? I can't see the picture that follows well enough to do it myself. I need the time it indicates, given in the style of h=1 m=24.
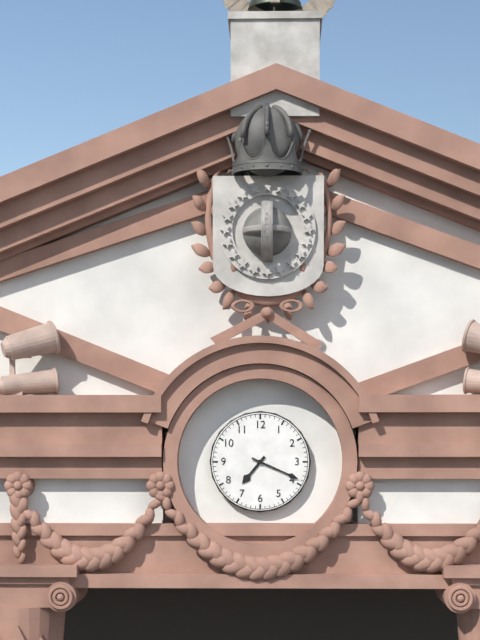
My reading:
h=7 m=19
